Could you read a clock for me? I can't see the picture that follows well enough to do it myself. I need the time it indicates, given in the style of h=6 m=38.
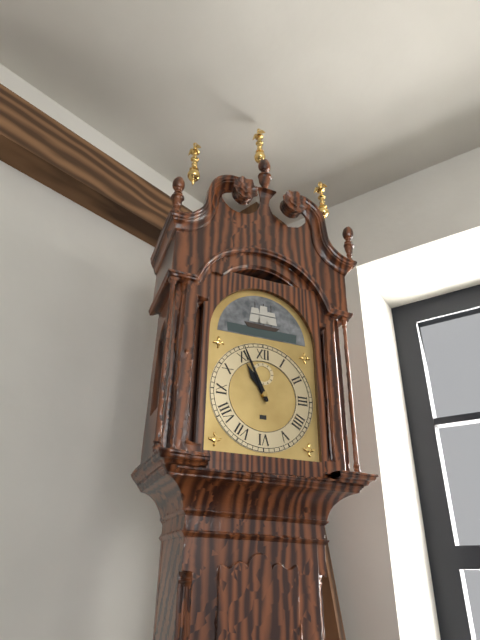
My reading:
h=10 m=56
